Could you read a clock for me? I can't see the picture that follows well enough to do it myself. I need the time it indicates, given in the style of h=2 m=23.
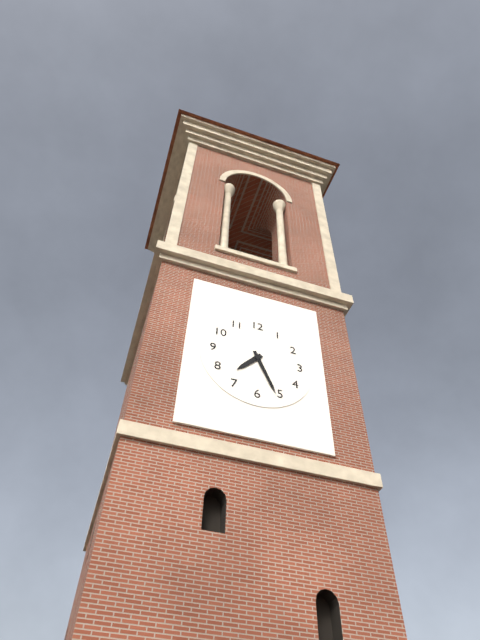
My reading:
h=7 m=26
